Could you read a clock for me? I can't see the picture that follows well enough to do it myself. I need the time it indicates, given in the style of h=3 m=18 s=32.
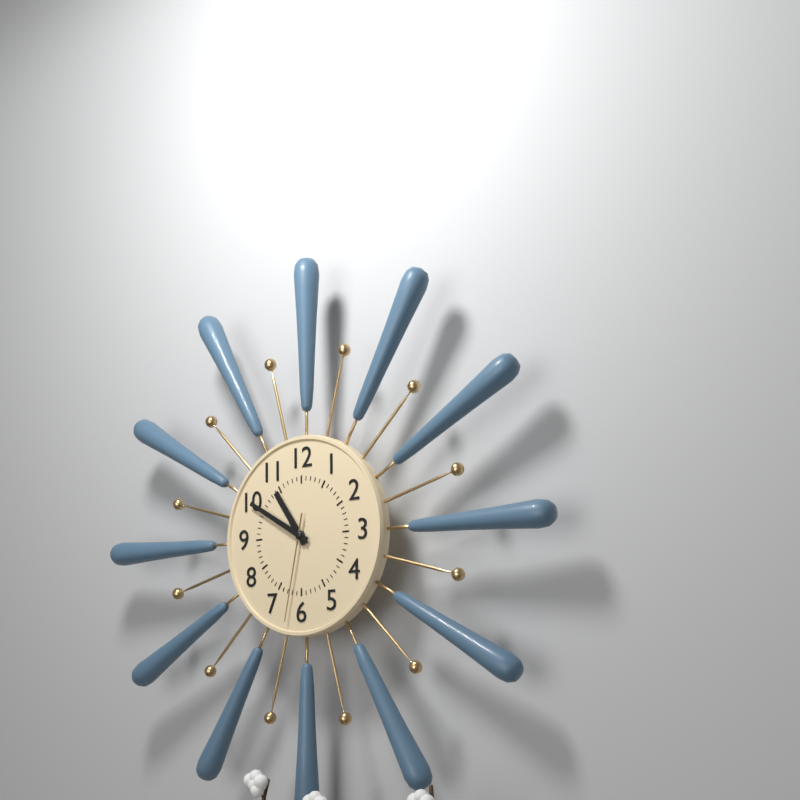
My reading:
h=10 m=50 s=32
